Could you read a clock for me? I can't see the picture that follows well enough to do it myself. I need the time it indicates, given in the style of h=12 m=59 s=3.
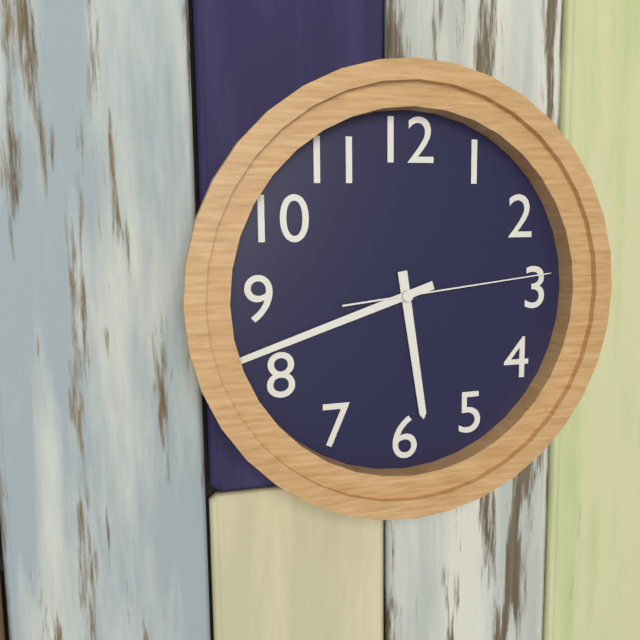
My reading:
h=5 m=42 s=14
